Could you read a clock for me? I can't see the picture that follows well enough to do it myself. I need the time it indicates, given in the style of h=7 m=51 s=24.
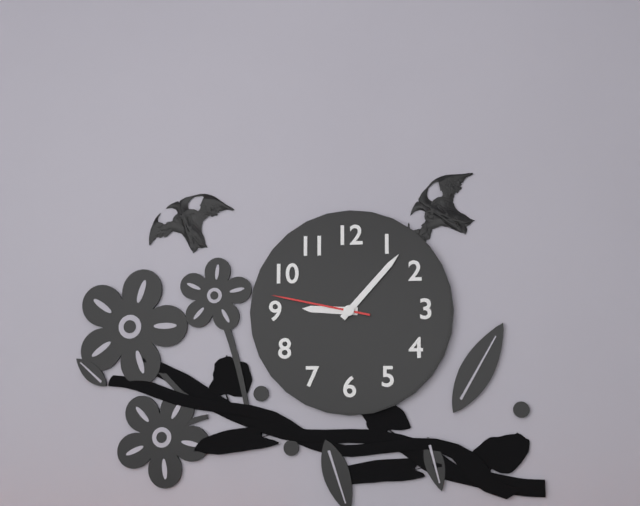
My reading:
h=9 m=7 s=47
